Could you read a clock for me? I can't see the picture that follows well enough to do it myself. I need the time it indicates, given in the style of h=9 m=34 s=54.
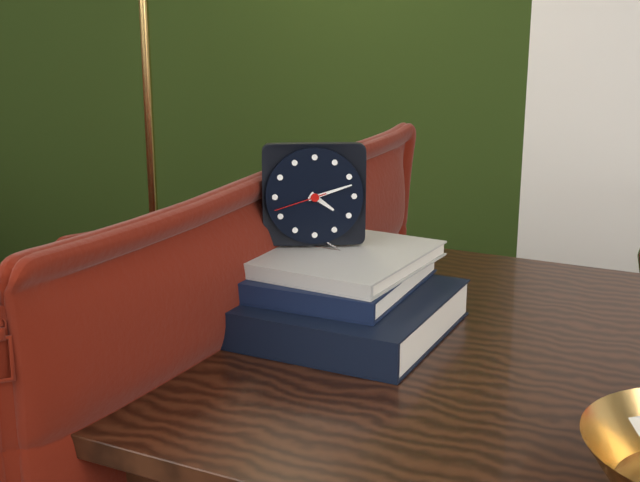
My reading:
h=4 m=12 s=42
